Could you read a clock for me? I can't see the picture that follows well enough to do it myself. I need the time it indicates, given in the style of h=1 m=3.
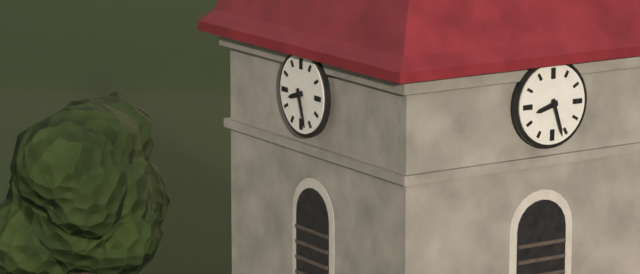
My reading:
h=8 m=27
